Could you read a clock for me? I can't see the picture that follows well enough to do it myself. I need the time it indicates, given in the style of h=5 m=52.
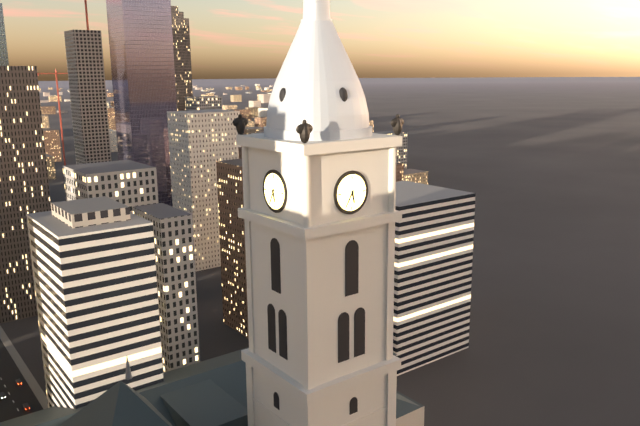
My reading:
h=5 m=35
